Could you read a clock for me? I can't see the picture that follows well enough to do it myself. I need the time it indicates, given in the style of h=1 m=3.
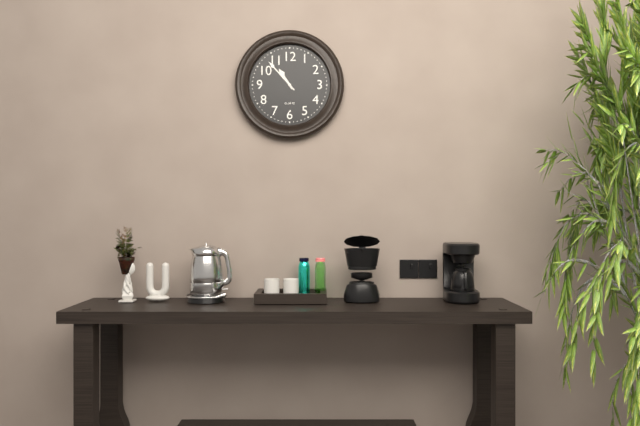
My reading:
h=10 m=53
